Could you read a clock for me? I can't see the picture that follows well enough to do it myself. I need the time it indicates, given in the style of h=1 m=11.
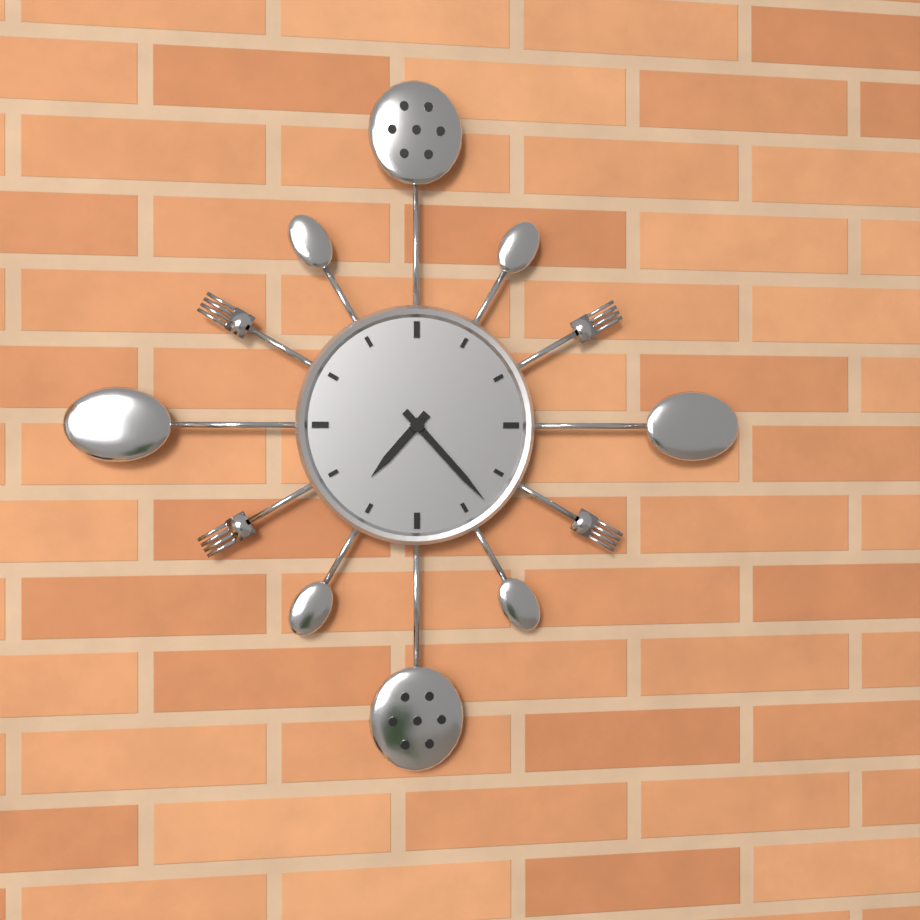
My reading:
h=7 m=23
